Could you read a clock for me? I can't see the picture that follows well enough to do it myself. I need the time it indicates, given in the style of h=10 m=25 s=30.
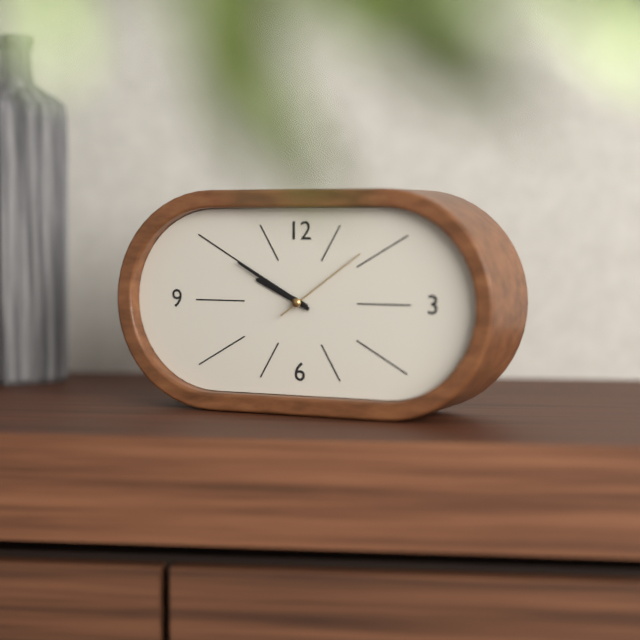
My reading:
h=9 m=50 s=9
